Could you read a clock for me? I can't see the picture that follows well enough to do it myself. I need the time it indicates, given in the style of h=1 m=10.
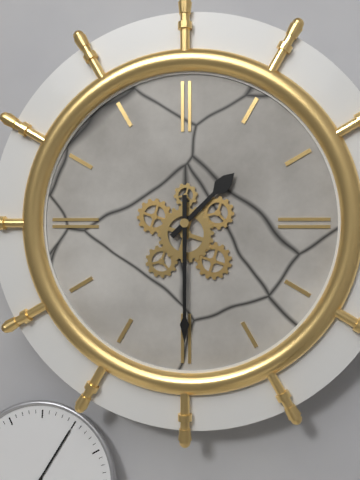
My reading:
h=1 m=30
